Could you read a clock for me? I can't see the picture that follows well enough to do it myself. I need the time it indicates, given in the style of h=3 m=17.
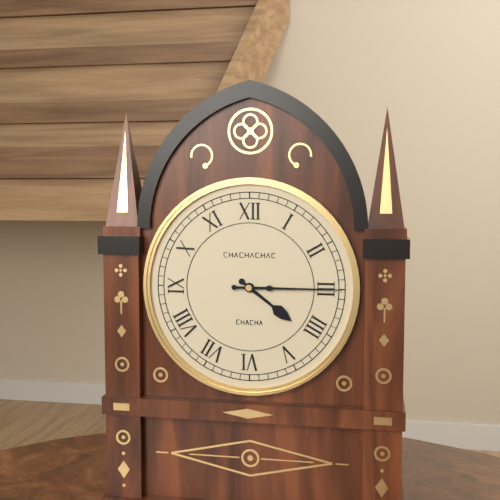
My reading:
h=4 m=15
